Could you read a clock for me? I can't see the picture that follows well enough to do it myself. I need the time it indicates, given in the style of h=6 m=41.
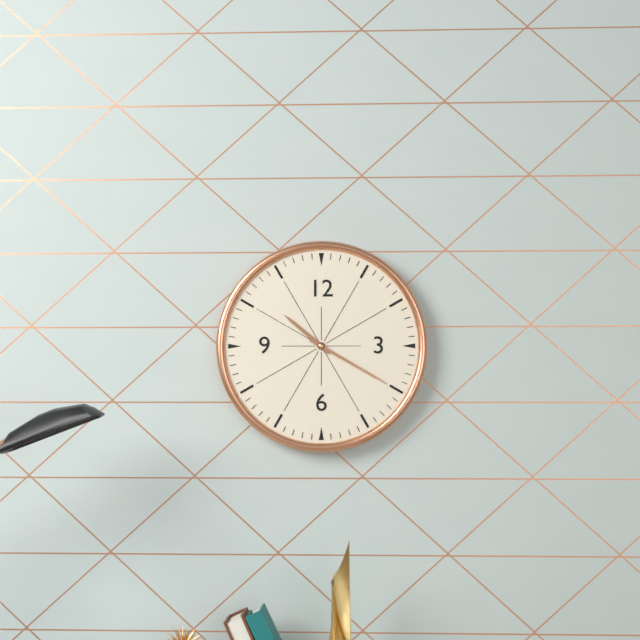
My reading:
h=10 m=20
